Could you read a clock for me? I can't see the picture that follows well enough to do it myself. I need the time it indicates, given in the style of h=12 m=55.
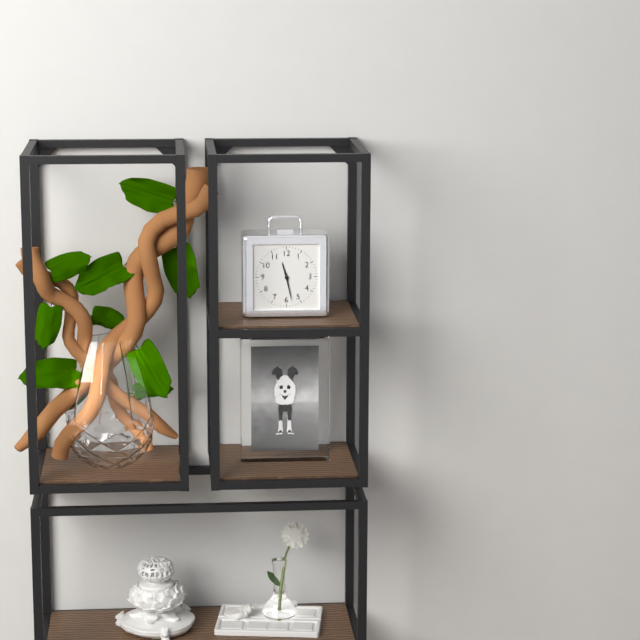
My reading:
h=11 m=28
